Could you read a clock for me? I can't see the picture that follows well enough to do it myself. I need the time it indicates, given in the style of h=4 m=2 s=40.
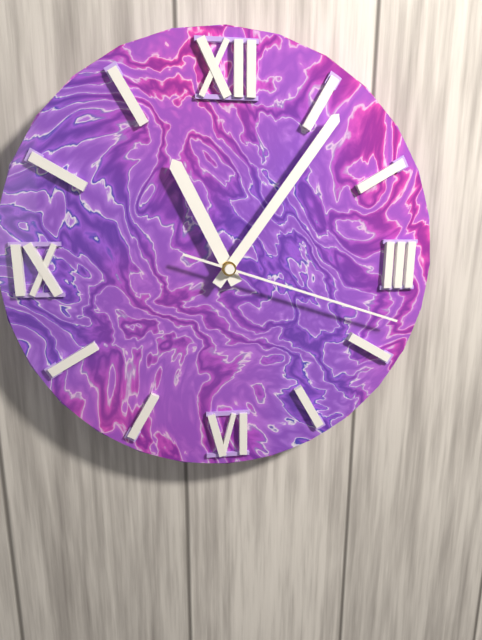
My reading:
h=11 m=6 s=18
